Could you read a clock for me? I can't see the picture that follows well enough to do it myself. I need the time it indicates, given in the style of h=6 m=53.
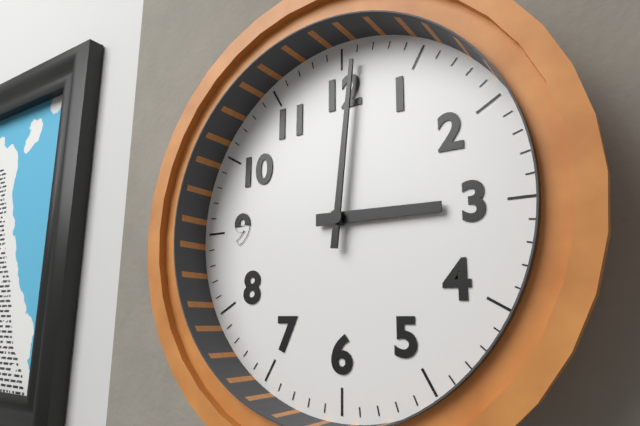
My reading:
h=3 m=1
